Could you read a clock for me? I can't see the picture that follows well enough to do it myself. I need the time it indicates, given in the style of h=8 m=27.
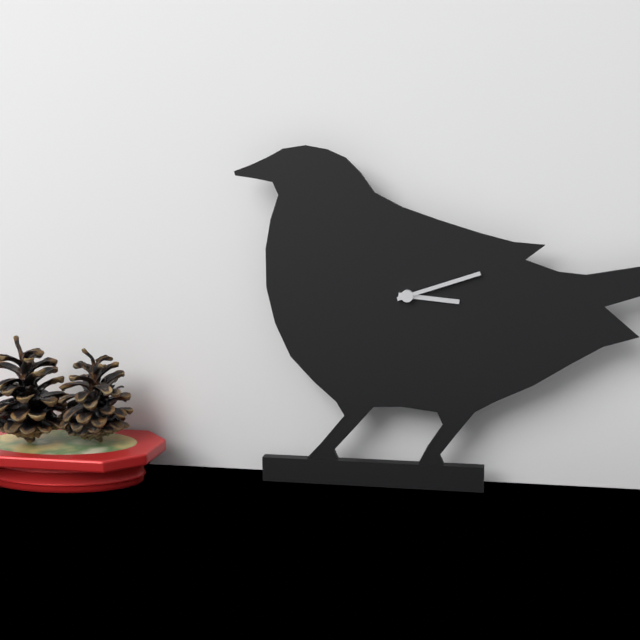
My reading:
h=3 m=12
